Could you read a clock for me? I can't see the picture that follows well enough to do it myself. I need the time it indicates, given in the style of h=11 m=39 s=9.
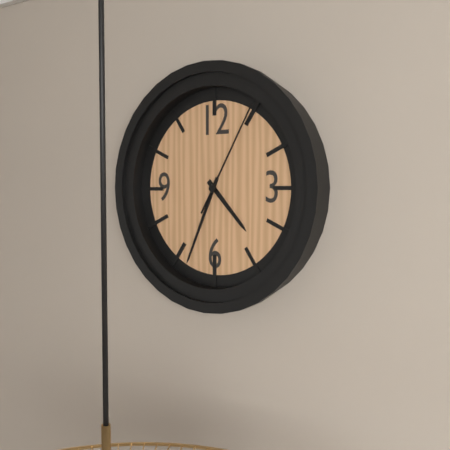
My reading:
h=4 m=34 s=5
